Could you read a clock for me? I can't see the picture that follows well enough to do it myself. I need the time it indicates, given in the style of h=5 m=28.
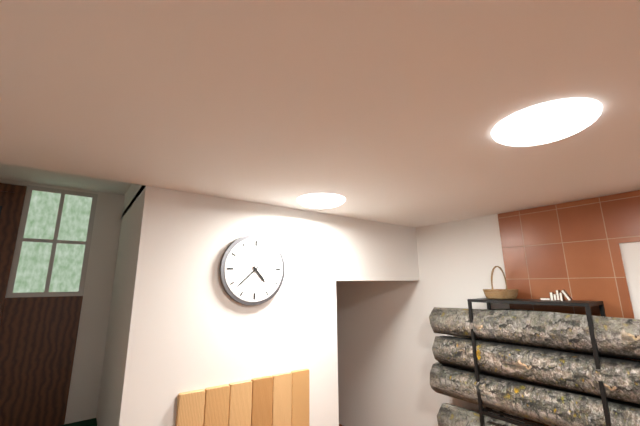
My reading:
h=4 m=38
